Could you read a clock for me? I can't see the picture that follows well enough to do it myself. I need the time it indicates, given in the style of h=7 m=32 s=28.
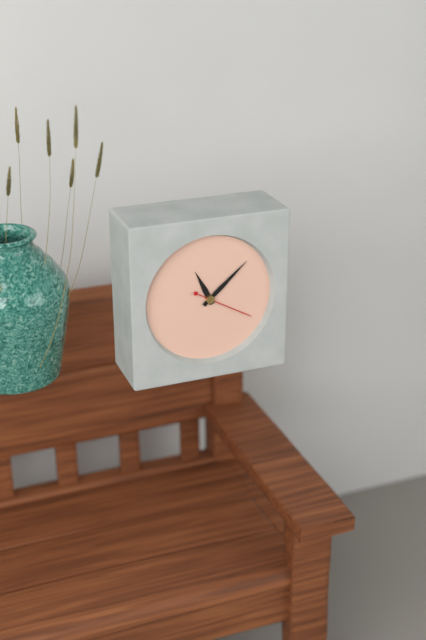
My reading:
h=11 m=8 s=20
